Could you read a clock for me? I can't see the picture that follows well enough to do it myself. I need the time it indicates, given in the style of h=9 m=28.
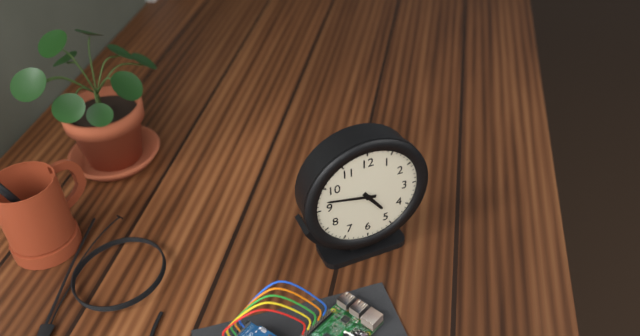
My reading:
h=4 m=47
